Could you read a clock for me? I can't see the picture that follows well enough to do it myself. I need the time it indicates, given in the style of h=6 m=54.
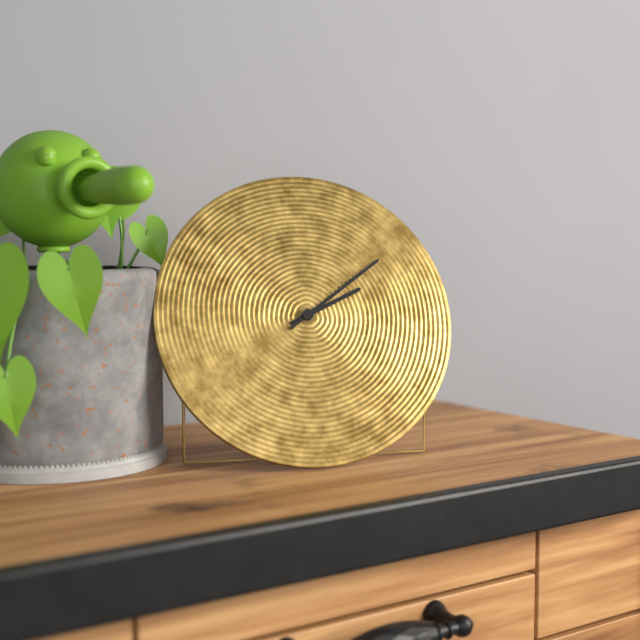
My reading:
h=2 m=9
